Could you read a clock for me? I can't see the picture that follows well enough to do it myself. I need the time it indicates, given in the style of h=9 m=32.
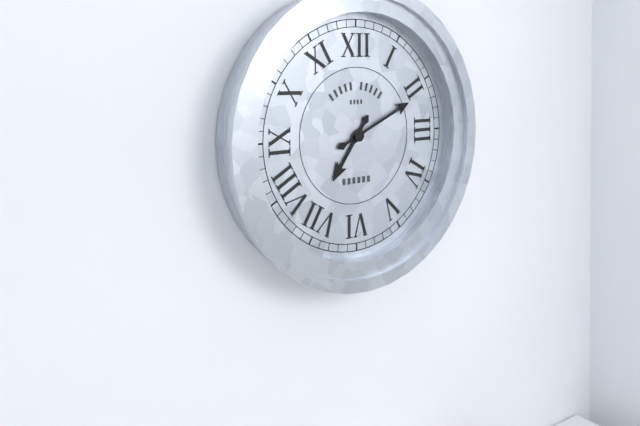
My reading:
h=7 m=11
